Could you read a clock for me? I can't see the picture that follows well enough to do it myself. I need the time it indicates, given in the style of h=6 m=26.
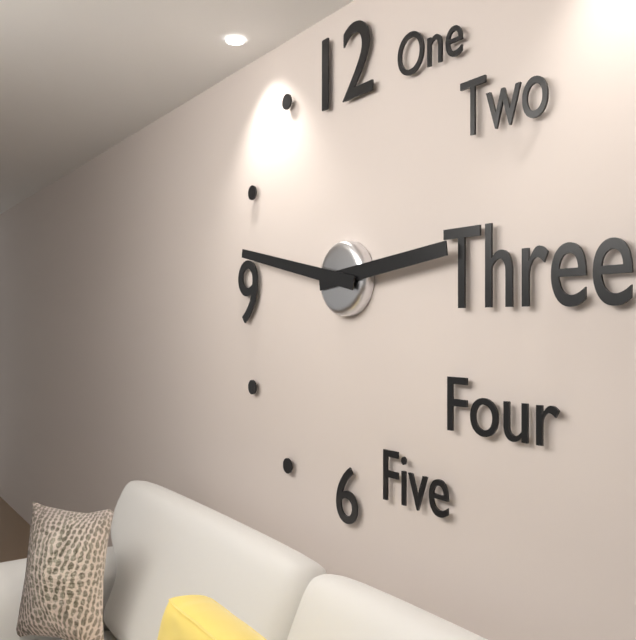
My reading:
h=2 m=47
